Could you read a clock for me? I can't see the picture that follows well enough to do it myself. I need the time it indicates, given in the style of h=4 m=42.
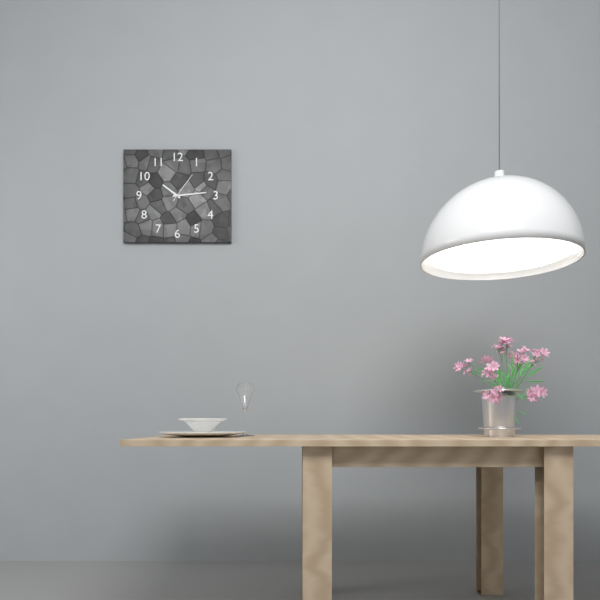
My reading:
h=10 m=14
